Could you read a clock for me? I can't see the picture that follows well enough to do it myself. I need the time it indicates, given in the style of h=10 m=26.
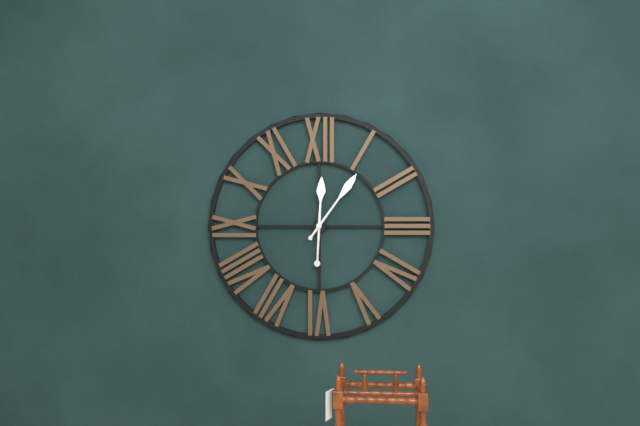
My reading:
h=12 m=6
